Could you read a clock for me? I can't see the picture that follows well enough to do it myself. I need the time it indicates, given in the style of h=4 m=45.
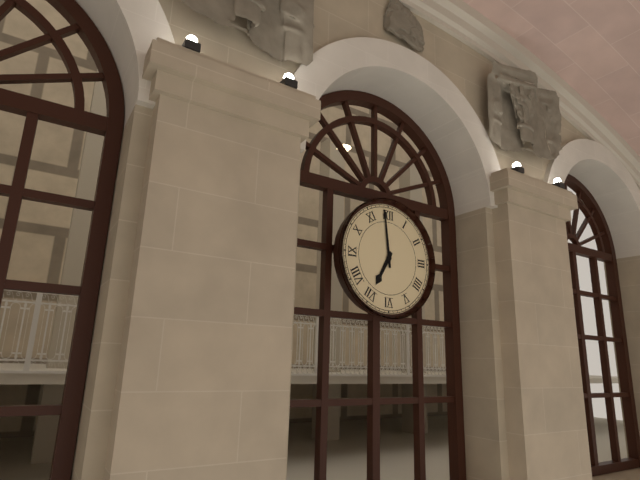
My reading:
h=6 m=59
